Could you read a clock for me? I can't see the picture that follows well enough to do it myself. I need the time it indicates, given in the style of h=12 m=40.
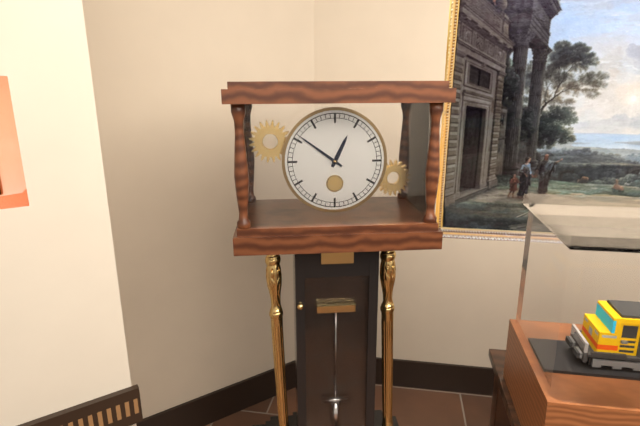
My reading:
h=12 m=51
